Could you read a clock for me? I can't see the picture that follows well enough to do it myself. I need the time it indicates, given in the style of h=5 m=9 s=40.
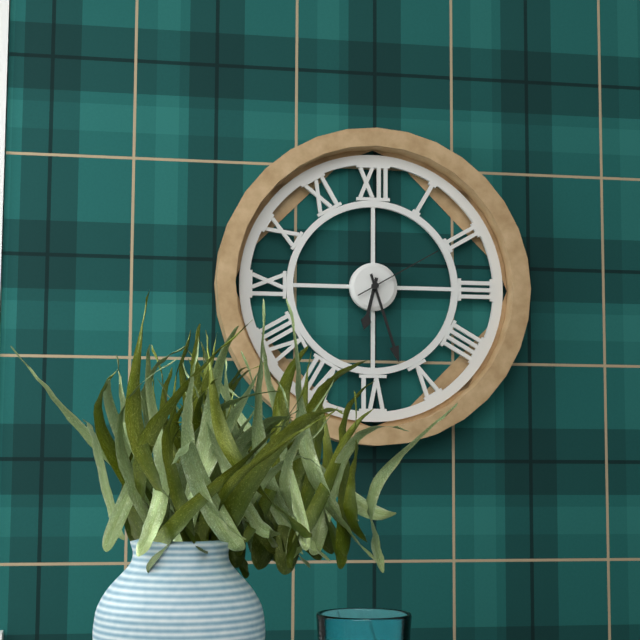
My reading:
h=6 m=27 s=10
